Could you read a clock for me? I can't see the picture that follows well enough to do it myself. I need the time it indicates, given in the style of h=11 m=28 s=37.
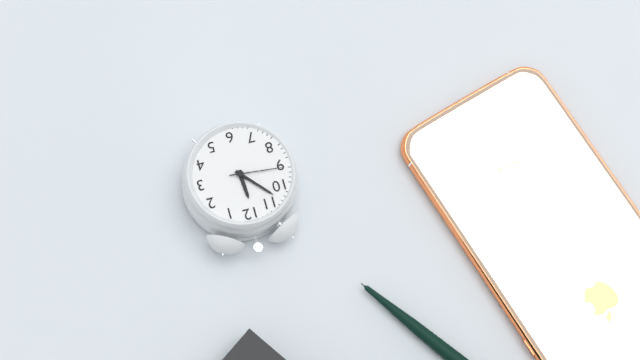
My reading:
h=11 m=53 s=46
